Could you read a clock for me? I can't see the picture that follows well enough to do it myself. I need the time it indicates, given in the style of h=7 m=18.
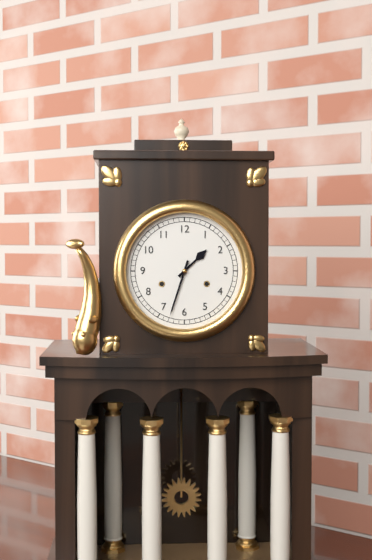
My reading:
h=1 m=33
